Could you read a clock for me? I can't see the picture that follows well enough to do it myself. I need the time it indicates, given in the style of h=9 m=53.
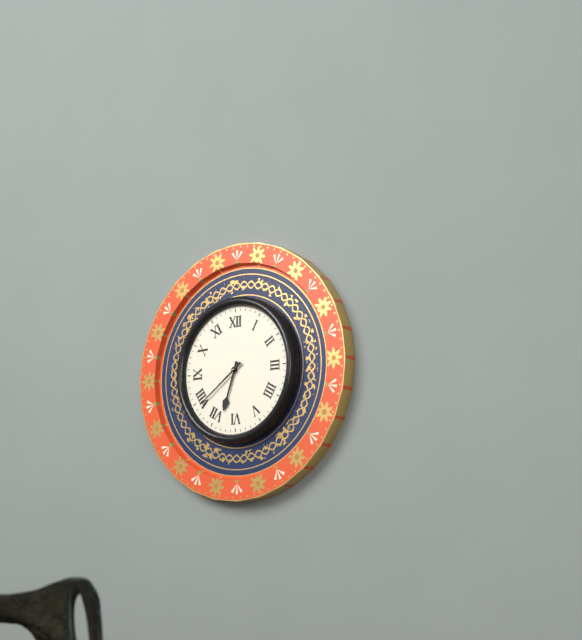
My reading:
h=6 m=39
